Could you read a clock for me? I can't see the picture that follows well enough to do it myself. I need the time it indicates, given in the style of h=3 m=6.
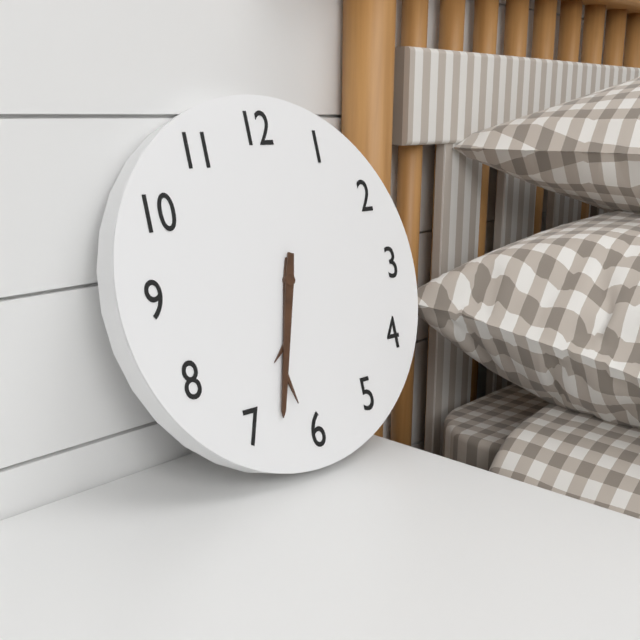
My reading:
h=6 m=33
